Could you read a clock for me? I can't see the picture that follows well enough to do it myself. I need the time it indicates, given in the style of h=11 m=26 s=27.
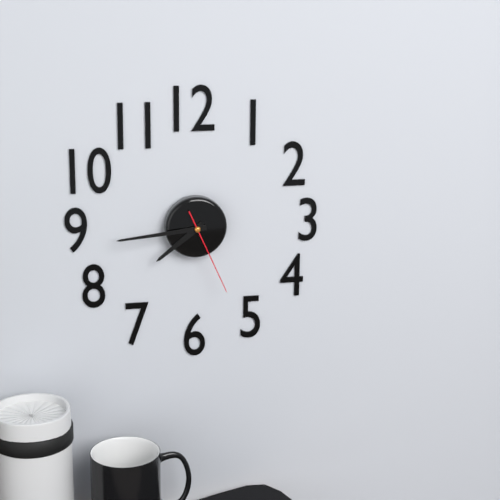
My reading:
h=7 m=44 s=26
